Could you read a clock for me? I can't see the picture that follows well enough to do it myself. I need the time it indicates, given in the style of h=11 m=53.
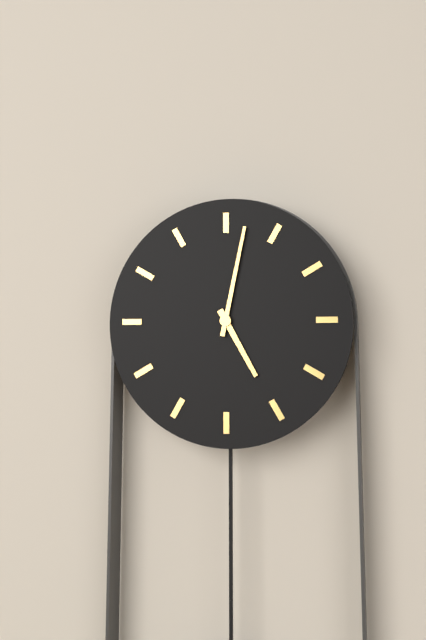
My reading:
h=5 m=2
